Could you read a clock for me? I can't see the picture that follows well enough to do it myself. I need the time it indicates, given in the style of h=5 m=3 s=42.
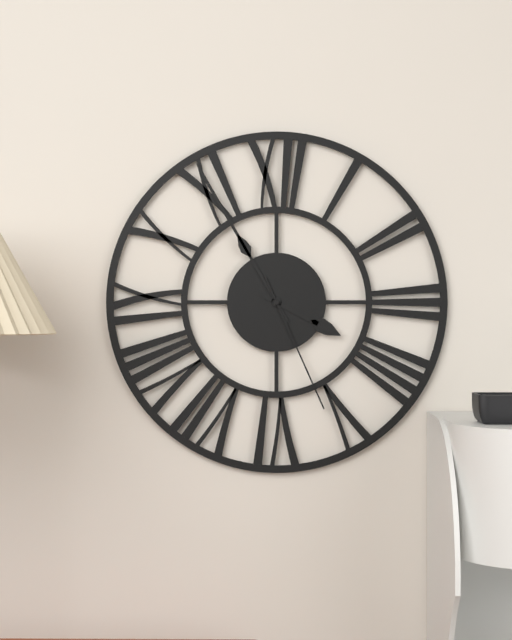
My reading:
h=3 m=55 s=26
